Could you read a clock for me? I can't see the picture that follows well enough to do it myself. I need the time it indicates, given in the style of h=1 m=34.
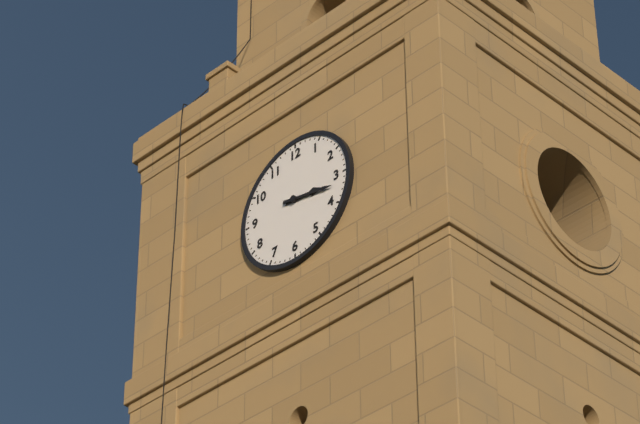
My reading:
h=3 m=17
